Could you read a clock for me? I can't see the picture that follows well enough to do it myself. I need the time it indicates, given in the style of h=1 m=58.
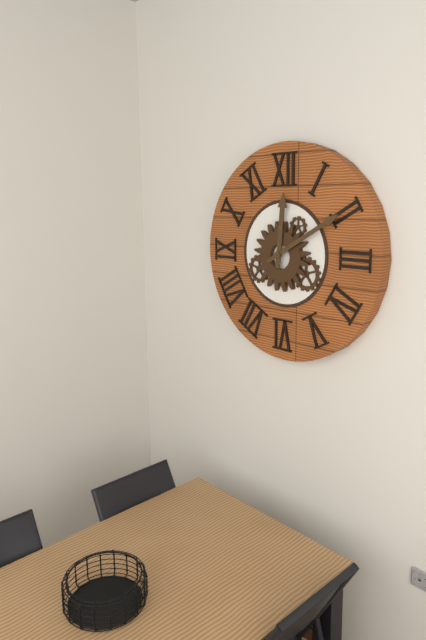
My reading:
h=12 m=10
